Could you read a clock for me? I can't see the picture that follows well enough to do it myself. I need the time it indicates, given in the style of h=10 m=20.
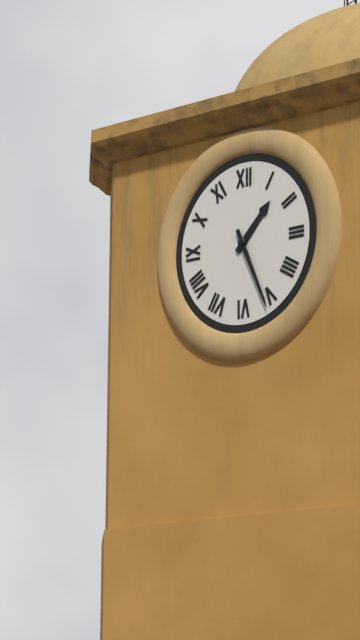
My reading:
h=1 m=26
